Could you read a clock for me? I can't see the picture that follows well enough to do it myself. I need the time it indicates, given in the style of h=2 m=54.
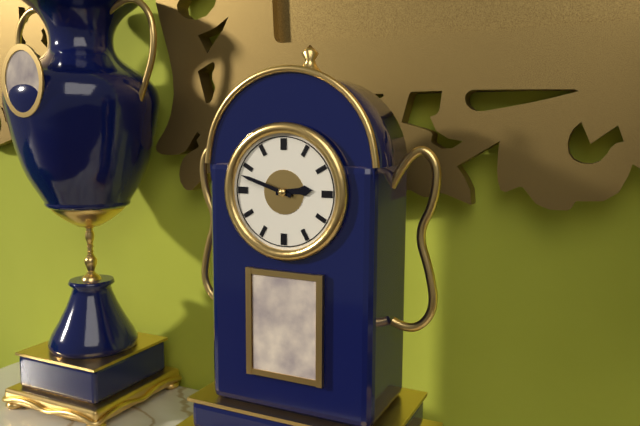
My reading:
h=2 m=48
